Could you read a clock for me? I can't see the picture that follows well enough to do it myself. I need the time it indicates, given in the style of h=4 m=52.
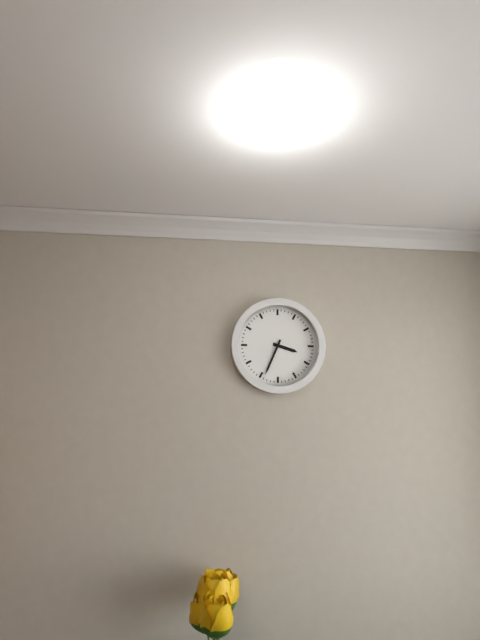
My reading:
h=3 m=34
